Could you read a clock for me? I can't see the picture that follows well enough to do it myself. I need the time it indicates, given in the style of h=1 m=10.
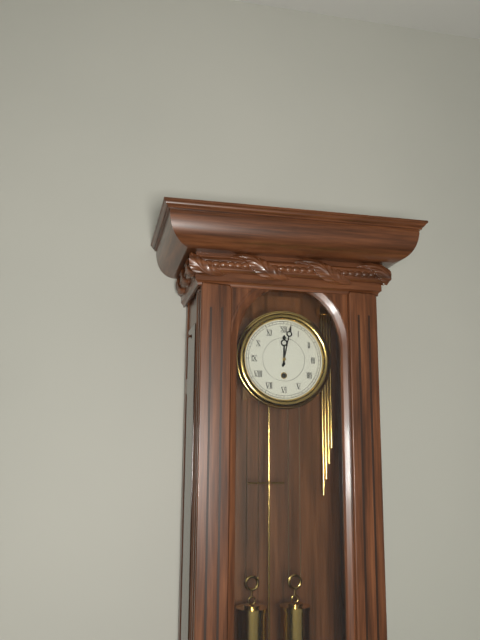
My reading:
h=12 m=2
